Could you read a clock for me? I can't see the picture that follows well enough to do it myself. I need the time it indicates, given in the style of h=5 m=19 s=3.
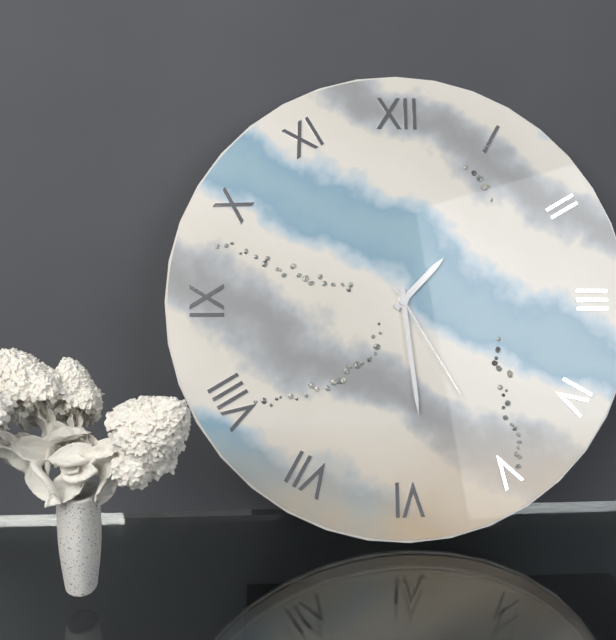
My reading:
h=1 m=29 s=25
